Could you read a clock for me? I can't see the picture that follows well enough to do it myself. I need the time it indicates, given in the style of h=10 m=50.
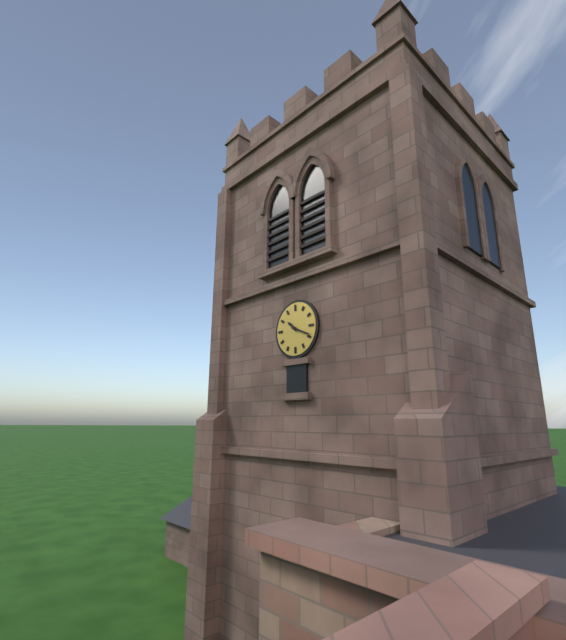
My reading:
h=10 m=19
